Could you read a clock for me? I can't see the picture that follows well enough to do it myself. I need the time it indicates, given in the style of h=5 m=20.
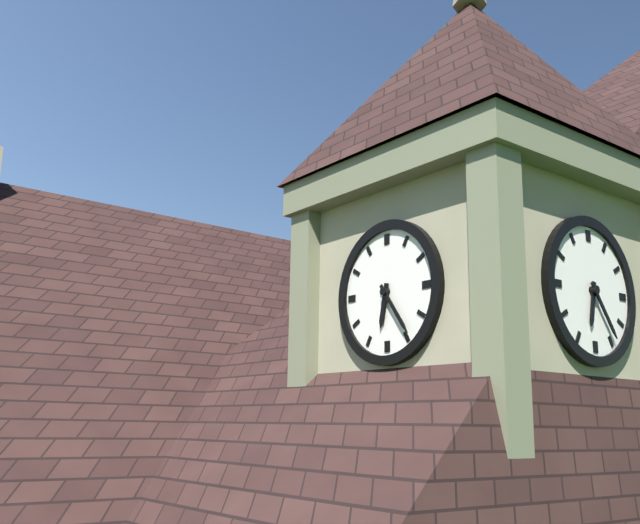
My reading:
h=6 m=24
